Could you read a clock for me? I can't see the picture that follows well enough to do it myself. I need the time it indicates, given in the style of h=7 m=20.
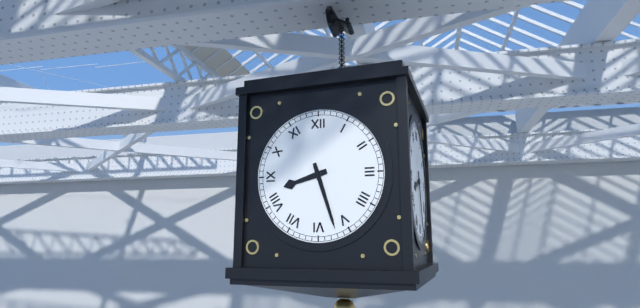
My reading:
h=8 m=27
